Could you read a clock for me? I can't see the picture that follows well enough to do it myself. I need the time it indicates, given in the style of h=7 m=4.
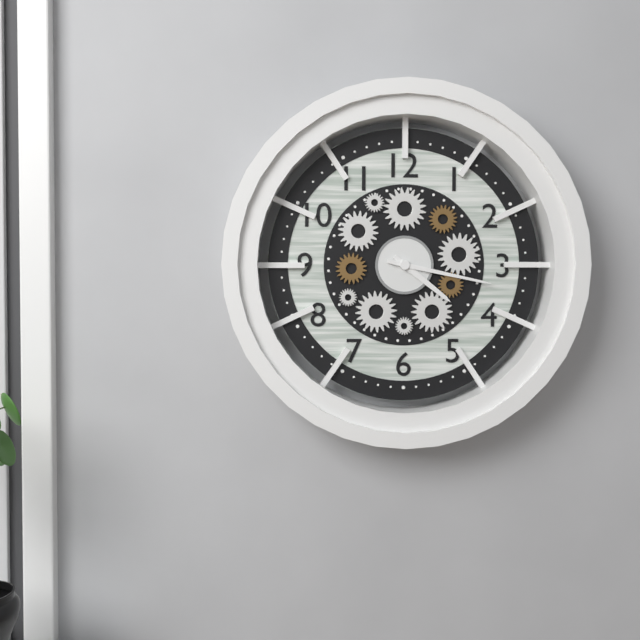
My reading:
h=4 m=17
